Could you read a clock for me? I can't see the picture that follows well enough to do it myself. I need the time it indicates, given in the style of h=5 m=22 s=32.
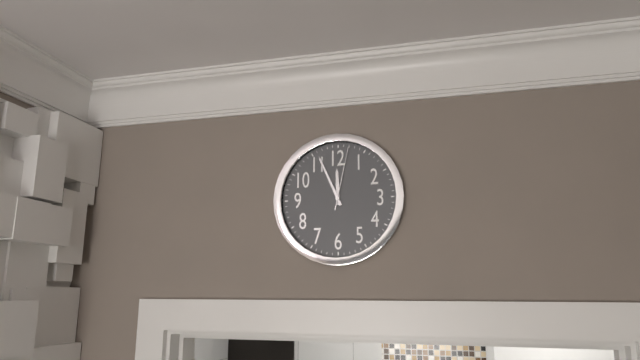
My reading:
h=11 m=56 s=2
